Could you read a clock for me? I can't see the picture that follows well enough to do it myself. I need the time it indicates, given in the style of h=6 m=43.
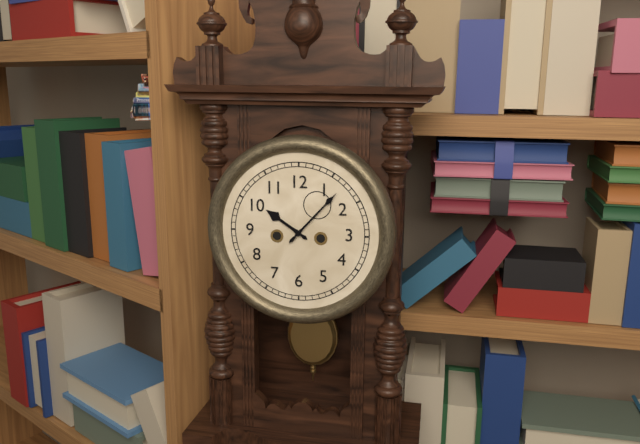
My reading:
h=10 m=7
